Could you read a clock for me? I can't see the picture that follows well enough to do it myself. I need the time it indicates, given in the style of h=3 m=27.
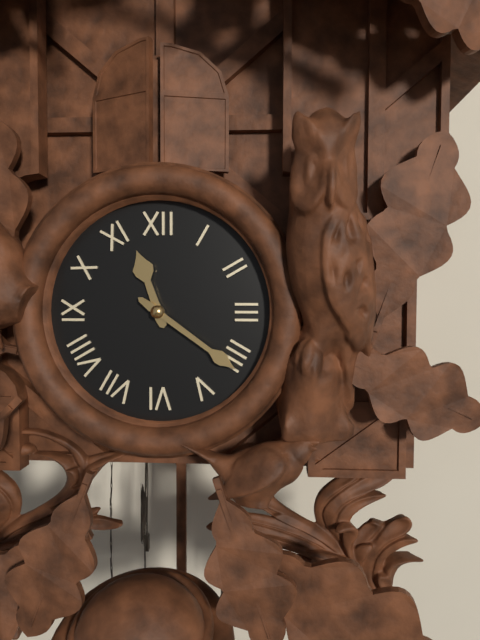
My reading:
h=11 m=21
